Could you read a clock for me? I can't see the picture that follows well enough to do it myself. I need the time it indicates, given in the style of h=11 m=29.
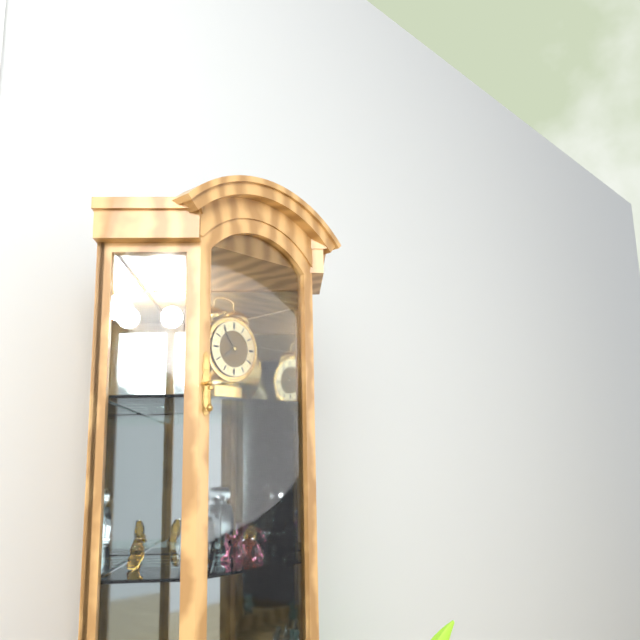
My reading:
h=7 m=54
